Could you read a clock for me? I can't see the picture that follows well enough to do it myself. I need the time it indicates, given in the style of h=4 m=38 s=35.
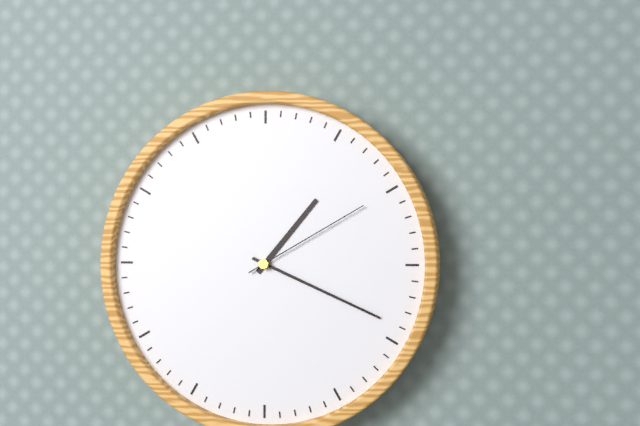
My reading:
h=1 m=19 s=10
